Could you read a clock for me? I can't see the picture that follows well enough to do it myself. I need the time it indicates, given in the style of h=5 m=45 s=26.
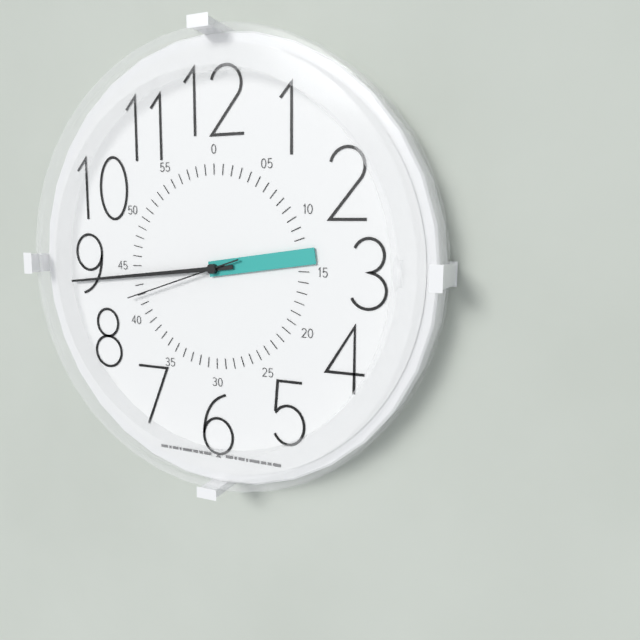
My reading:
h=2 m=44 s=42
